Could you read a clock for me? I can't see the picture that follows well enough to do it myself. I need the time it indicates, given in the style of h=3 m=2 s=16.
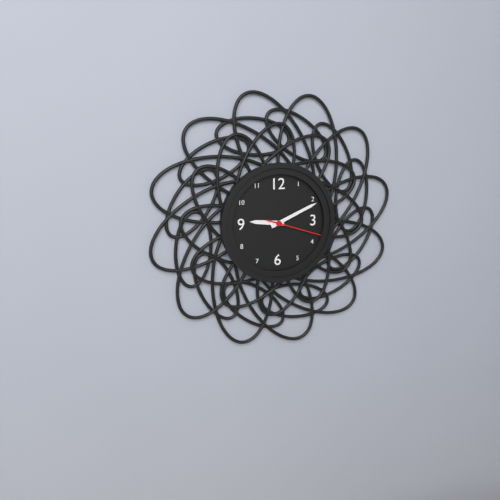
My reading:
h=9 m=11 s=18
